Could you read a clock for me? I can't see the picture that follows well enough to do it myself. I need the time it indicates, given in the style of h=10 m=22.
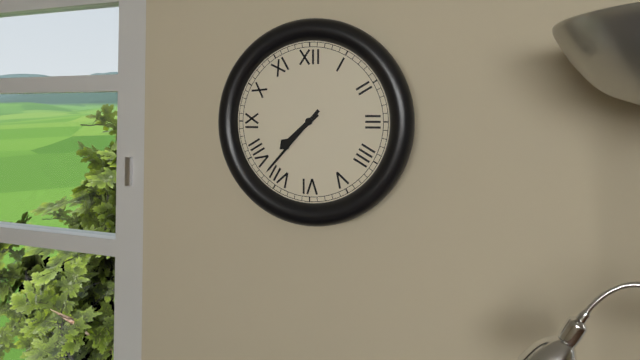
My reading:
h=7 m=37
